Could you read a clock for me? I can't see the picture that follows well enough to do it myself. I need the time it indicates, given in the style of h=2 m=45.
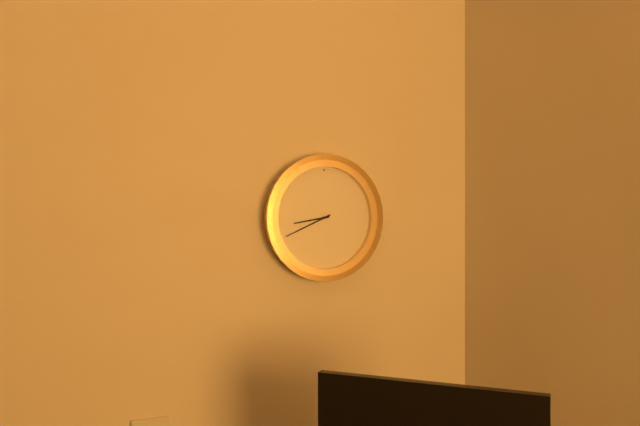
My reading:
h=8 m=41
